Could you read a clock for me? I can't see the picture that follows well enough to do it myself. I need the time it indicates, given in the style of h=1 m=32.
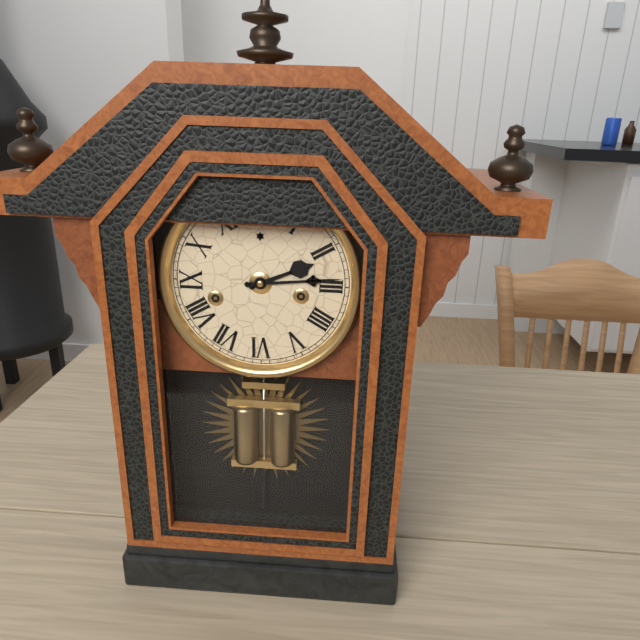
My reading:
h=2 m=14
